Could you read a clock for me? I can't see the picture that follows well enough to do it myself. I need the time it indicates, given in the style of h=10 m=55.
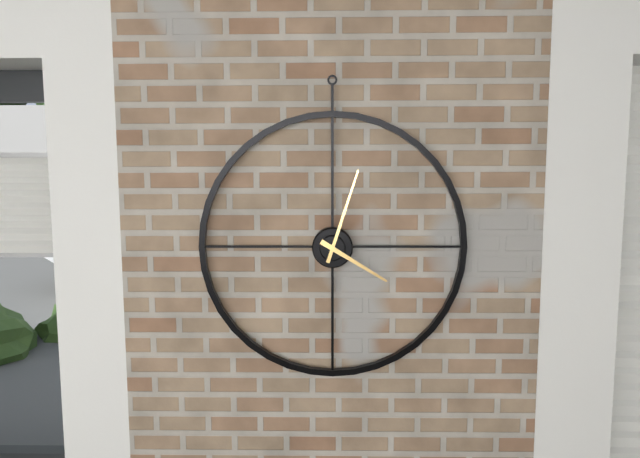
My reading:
h=4 m=3
